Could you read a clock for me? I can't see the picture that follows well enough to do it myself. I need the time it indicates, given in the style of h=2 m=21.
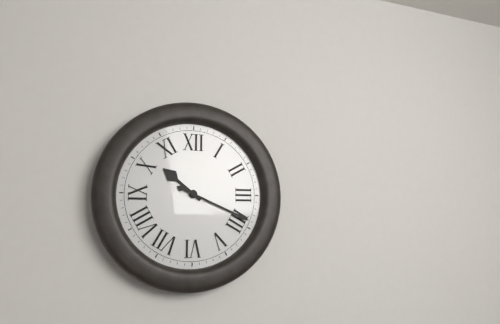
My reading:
h=10 m=19
